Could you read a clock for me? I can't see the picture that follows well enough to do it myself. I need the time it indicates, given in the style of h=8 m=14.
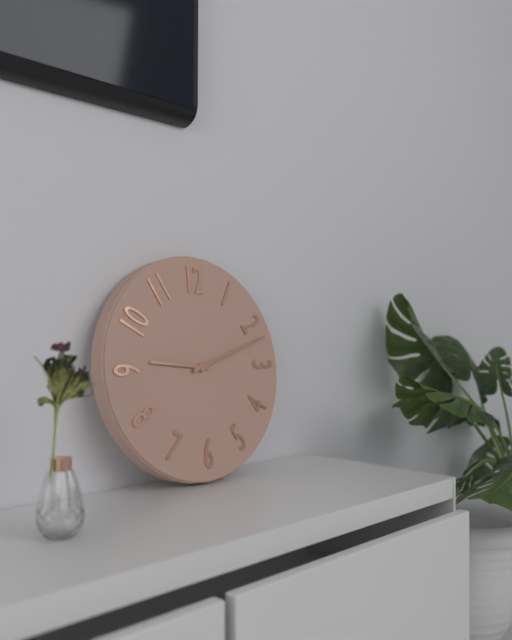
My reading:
h=9 m=12
